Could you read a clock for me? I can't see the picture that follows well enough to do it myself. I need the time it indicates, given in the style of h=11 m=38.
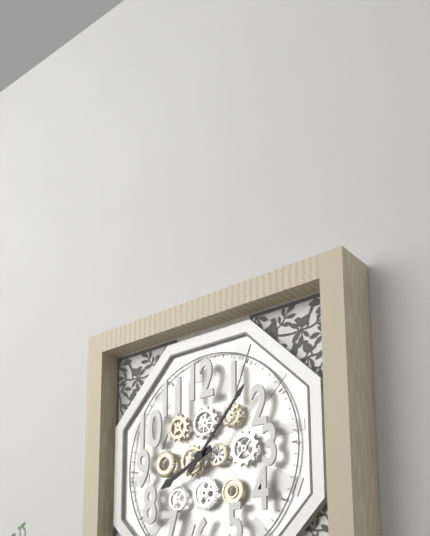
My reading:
h=8 m=7
